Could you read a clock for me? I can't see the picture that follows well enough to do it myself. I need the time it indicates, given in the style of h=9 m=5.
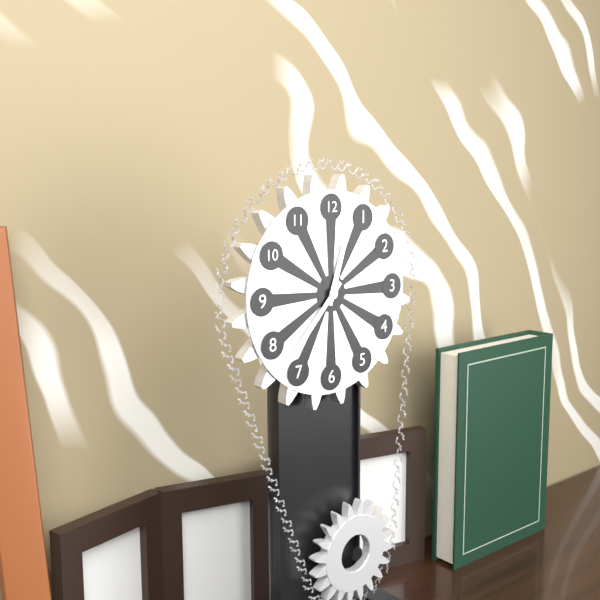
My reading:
h=12 m=37
